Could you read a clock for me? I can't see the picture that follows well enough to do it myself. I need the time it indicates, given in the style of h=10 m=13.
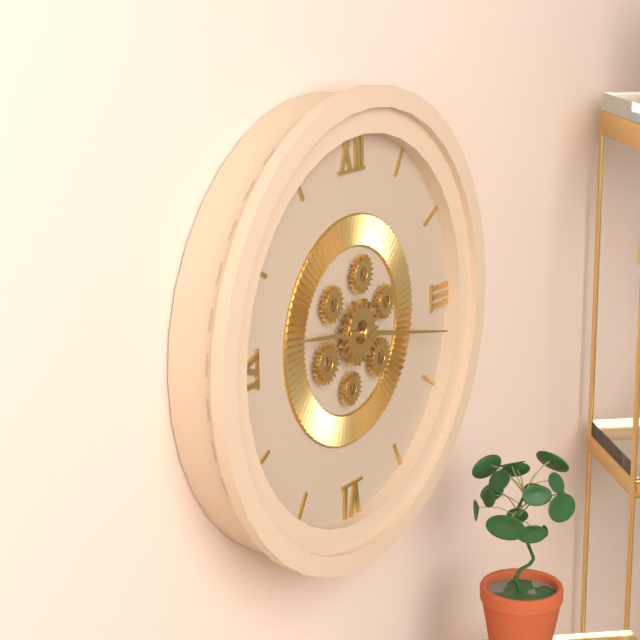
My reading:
h=9 m=17
